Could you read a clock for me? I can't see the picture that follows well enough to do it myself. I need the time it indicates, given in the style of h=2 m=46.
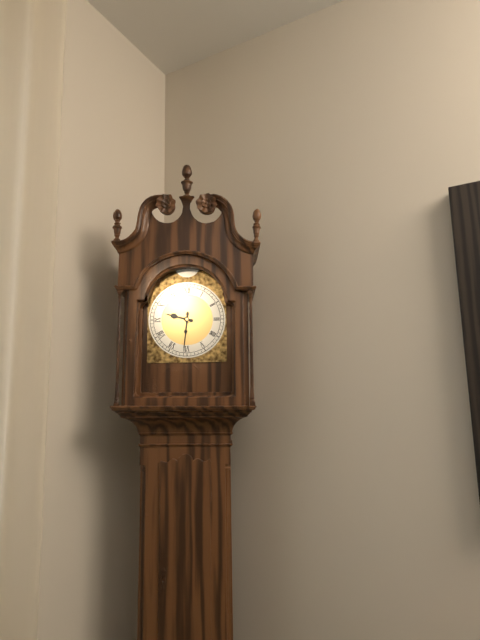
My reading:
h=9 m=31
